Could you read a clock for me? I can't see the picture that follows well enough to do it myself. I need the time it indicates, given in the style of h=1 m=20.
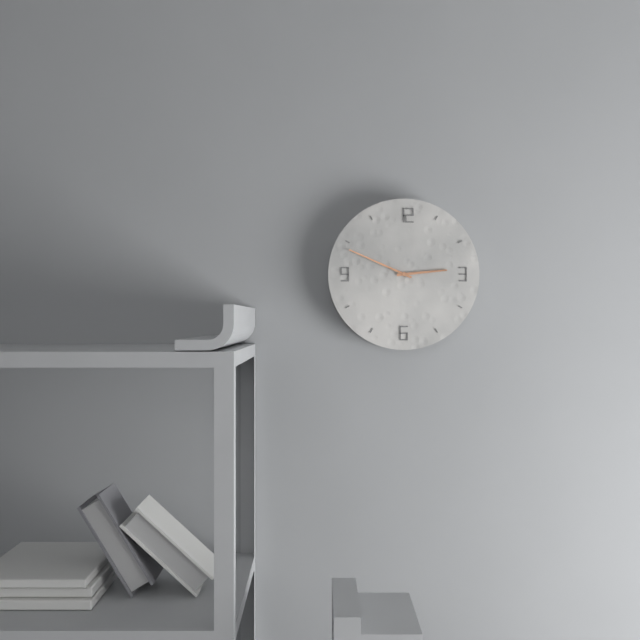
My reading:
h=2 m=49
